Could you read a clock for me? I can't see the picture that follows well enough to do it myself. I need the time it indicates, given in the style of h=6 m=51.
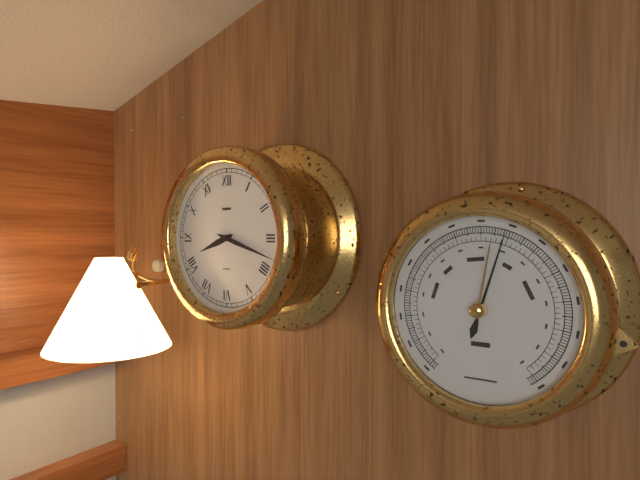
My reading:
h=8 m=18
